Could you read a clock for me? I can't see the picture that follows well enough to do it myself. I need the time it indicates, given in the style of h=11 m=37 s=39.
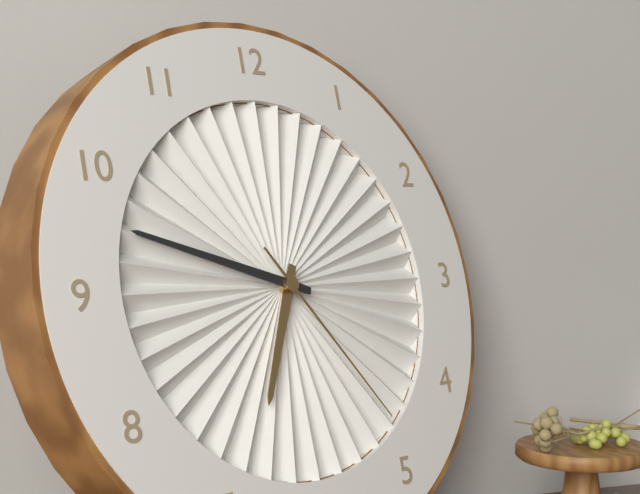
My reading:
h=6 m=48 s=24
